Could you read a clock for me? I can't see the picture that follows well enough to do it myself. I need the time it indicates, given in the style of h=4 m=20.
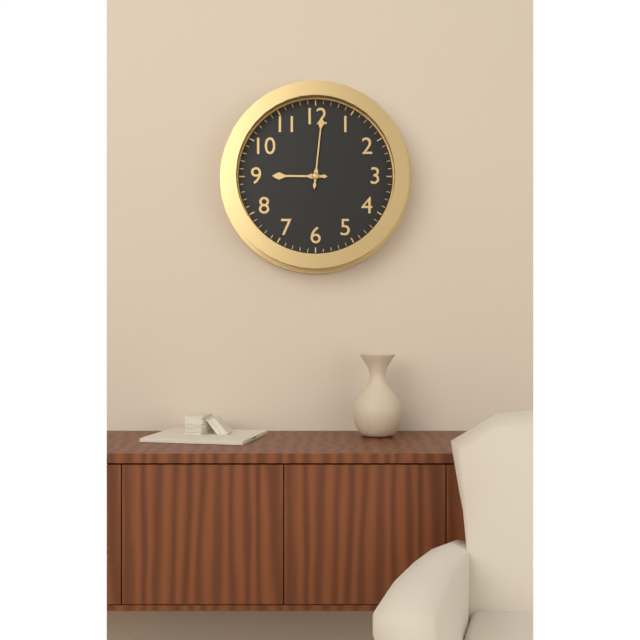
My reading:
h=9 m=1
